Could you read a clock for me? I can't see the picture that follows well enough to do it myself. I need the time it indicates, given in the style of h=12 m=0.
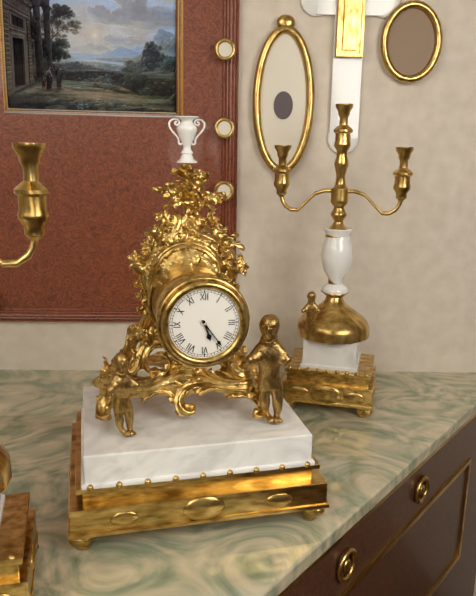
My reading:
h=5 m=24
